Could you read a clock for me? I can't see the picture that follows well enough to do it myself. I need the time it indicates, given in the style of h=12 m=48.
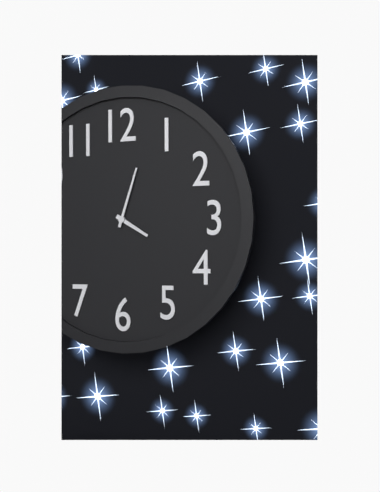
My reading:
h=4 m=3
